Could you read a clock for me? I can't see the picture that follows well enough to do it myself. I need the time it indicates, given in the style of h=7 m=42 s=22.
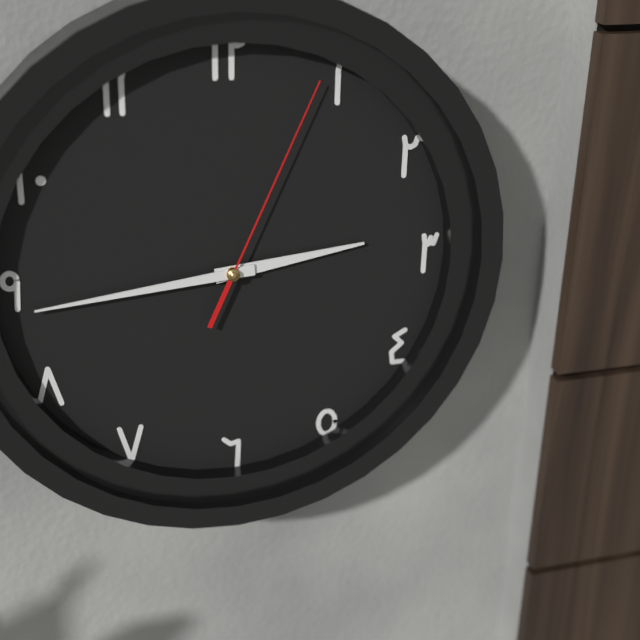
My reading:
h=2 m=44 s=4
